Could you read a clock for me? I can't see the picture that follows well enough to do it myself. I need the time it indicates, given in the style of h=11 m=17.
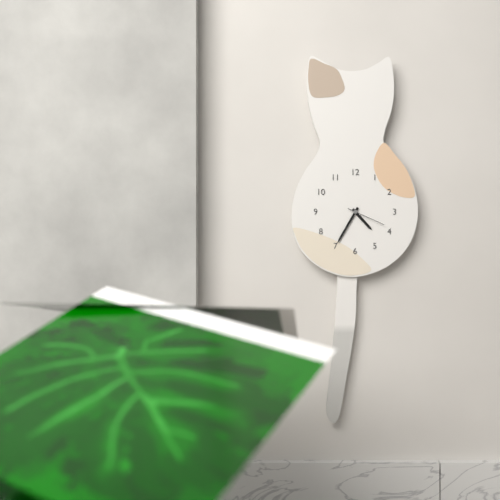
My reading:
h=4 m=35
